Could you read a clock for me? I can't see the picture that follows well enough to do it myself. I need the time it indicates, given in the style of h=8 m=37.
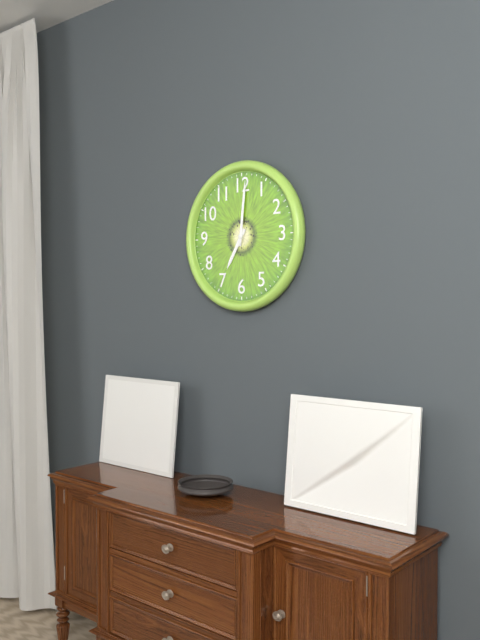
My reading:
h=7 m=1
